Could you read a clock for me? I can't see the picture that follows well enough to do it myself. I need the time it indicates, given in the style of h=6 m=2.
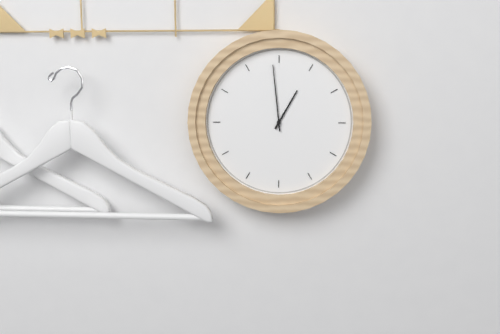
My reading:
h=12 m=59
